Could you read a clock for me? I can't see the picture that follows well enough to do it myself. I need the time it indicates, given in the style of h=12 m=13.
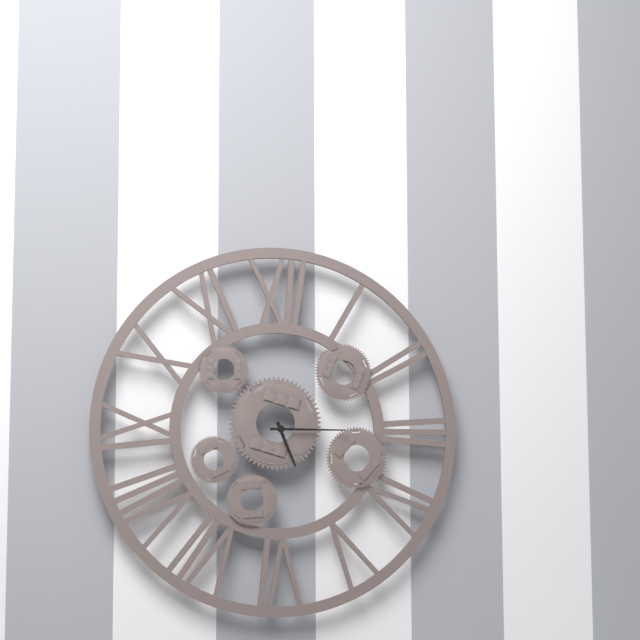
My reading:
h=5 m=15
